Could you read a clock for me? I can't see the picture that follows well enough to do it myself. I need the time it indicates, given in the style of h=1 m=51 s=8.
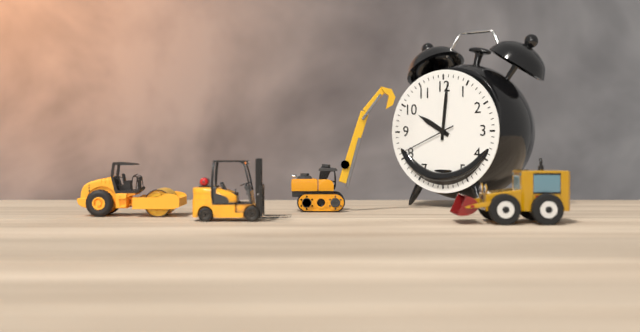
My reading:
h=10 m=1 s=41
